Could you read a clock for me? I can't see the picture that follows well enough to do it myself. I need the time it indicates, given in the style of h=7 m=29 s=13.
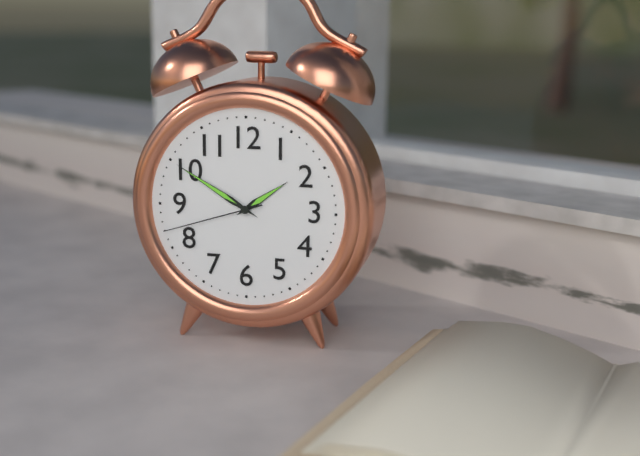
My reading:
h=1 m=50 s=42
